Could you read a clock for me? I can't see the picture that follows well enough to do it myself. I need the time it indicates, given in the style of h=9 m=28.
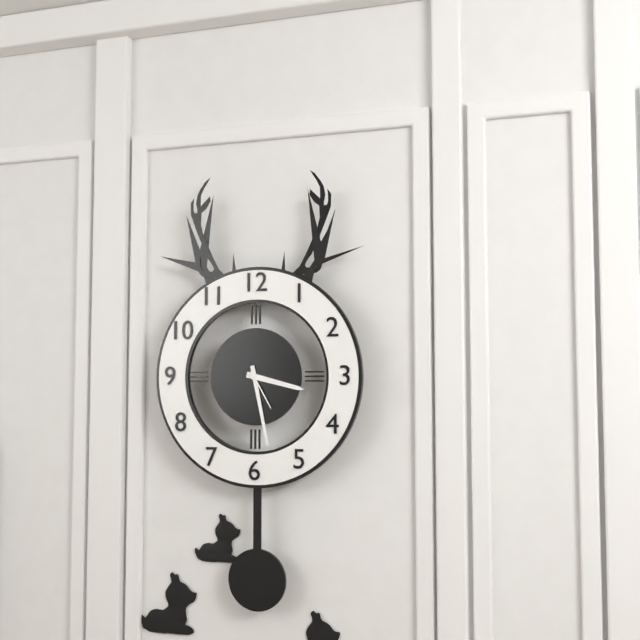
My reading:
h=3 m=28
